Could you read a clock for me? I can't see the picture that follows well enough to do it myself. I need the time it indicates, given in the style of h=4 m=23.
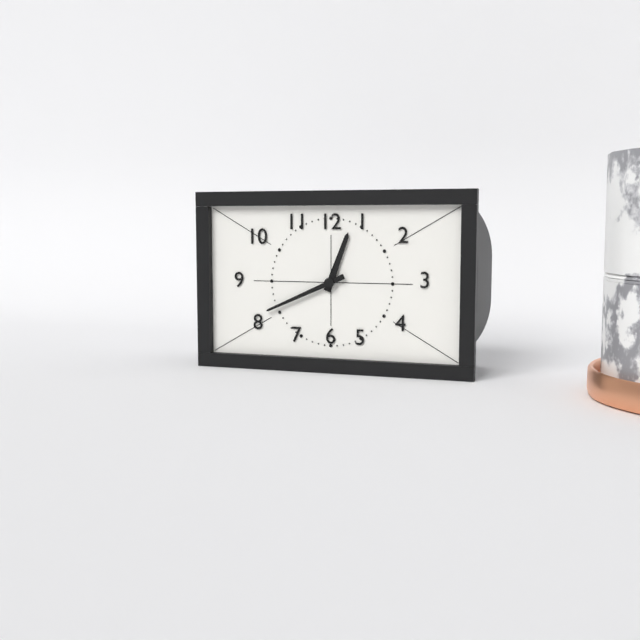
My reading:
h=12 m=41
